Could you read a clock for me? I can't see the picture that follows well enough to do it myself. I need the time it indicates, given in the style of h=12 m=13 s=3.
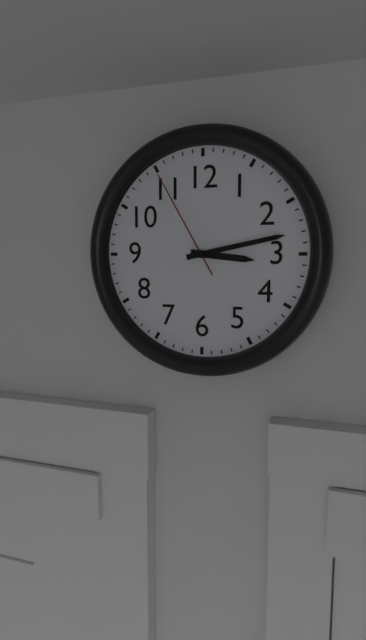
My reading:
h=3 m=13 s=55
